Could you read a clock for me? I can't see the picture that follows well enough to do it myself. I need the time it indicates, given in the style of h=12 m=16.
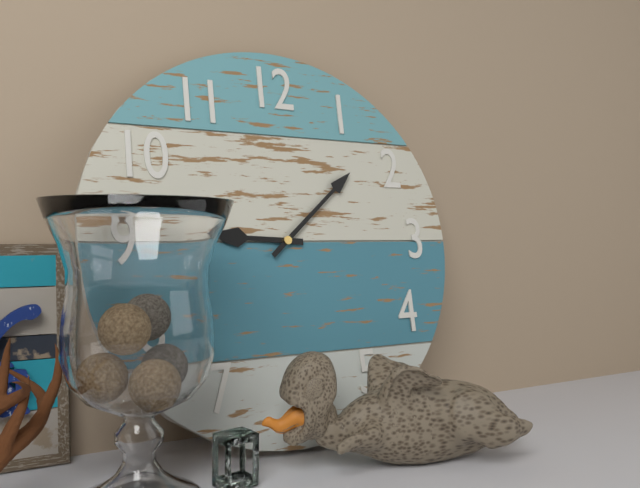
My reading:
h=9 m=8
